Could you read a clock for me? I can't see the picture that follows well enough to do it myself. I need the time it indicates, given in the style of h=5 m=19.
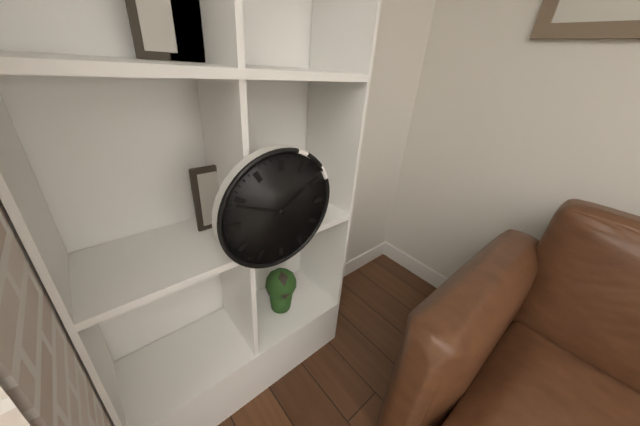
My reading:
h=1 m=49
